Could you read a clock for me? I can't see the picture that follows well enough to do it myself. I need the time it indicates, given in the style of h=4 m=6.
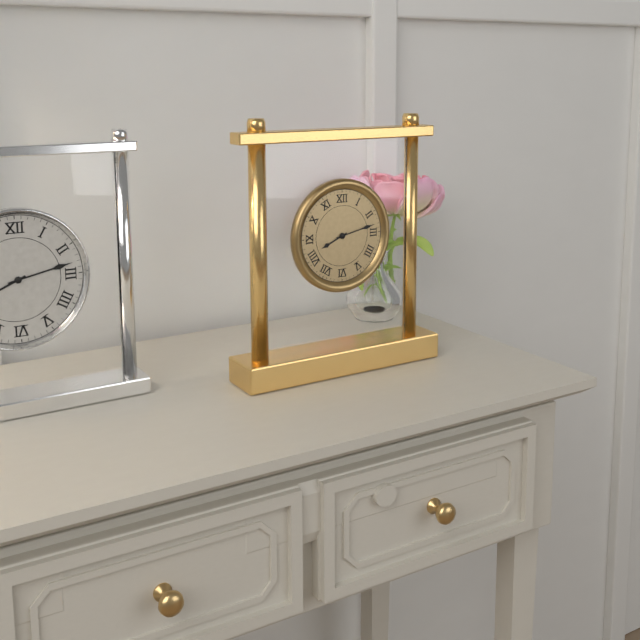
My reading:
h=8 m=13
